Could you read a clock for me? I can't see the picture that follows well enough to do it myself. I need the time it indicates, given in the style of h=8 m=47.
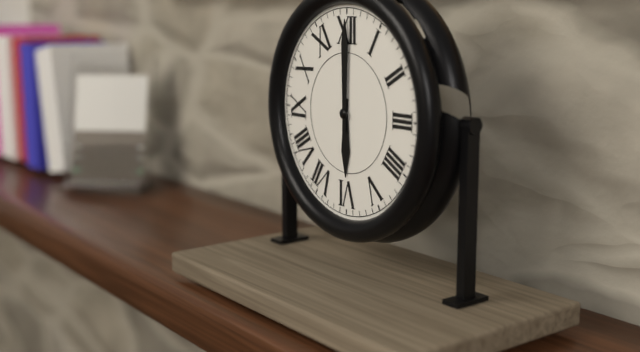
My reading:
h=6 m=0
